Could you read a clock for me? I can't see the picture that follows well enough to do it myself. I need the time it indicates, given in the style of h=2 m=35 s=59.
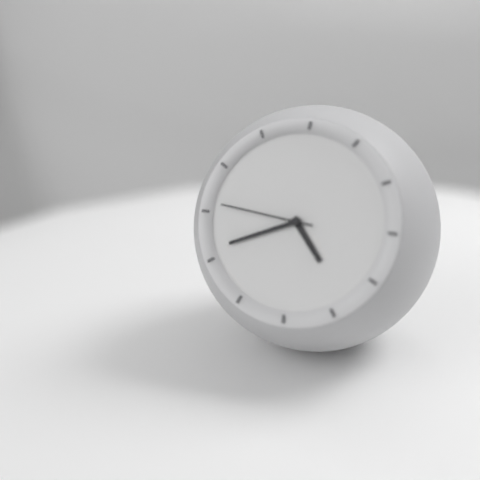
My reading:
h=4 m=41 s=46
